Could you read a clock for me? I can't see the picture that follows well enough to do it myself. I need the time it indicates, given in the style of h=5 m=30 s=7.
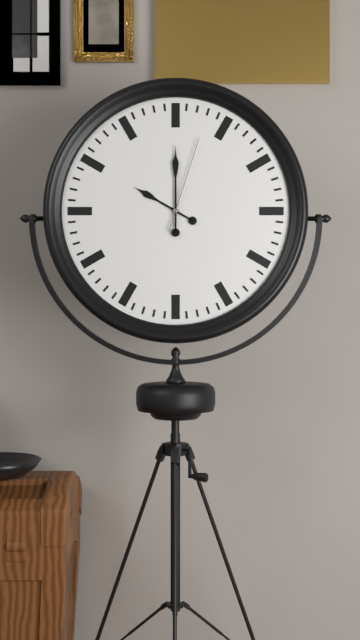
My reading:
h=10 m=0 s=3
